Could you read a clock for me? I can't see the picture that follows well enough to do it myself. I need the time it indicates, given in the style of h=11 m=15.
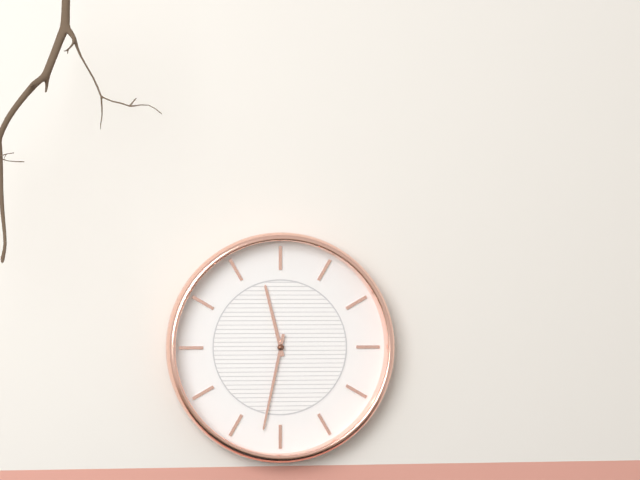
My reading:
h=11 m=32
